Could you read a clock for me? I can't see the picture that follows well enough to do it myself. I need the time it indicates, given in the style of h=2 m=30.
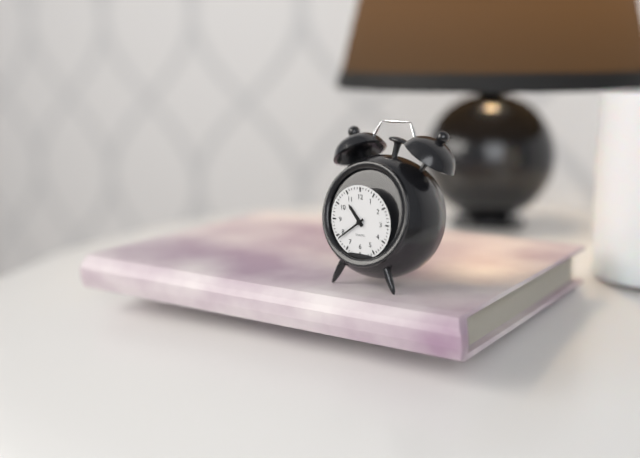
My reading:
h=10 m=39
